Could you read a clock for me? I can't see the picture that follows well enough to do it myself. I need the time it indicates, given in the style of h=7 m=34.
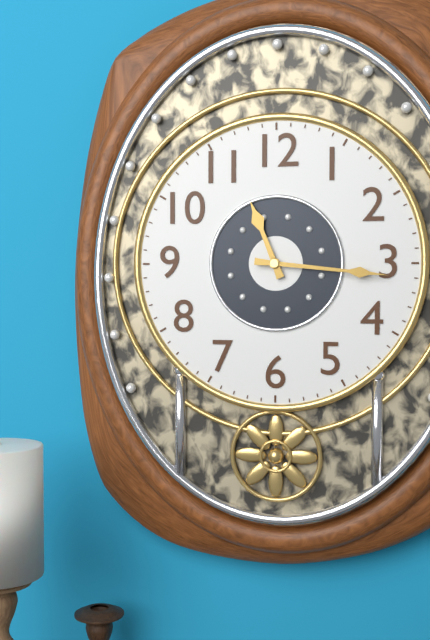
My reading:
h=11 m=16
